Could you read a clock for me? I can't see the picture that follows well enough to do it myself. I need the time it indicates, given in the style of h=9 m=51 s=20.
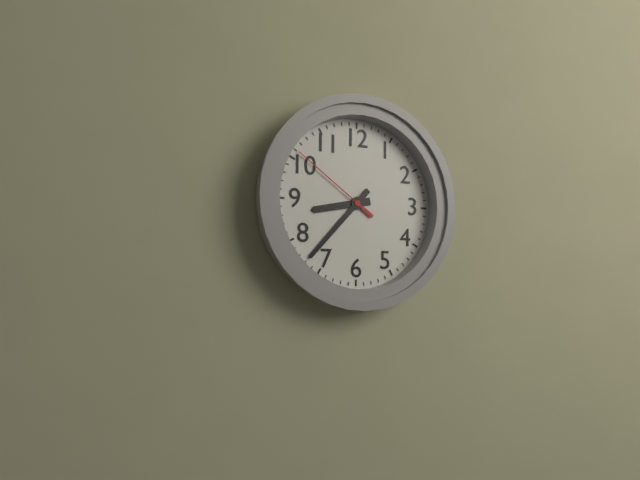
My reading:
h=8 m=37 s=51
